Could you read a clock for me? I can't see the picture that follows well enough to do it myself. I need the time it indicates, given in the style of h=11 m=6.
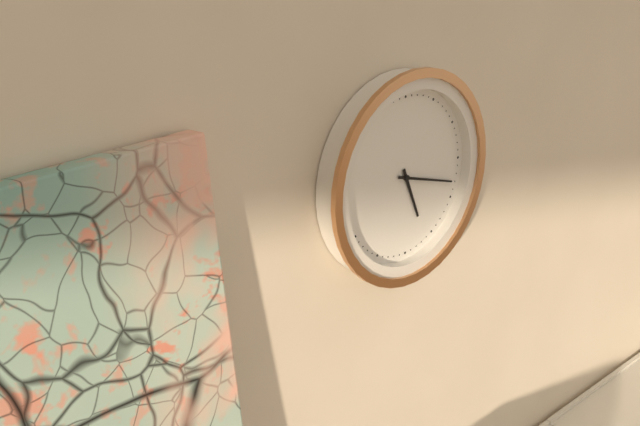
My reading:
h=5 m=18
